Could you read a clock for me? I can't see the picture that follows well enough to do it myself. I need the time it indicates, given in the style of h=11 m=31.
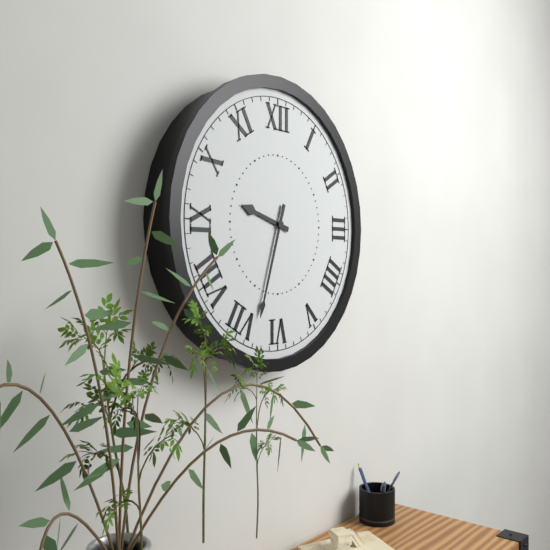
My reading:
h=9 m=33
